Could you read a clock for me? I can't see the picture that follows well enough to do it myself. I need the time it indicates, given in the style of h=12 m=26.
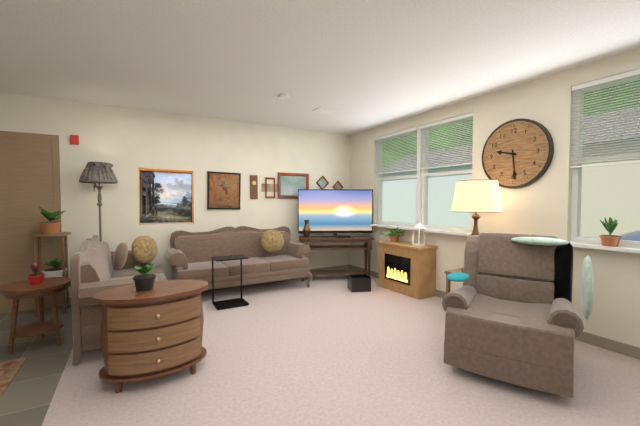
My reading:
h=9 m=29
